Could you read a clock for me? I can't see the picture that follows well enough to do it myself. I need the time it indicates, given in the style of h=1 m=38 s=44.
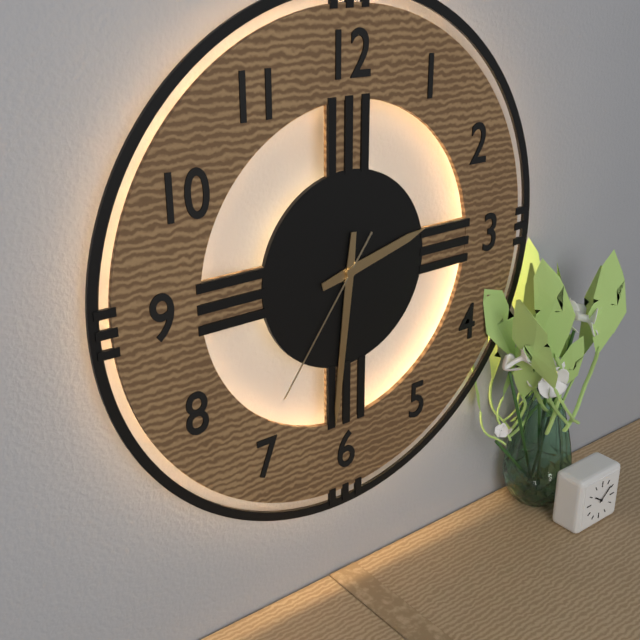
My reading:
h=2 m=31 s=36
